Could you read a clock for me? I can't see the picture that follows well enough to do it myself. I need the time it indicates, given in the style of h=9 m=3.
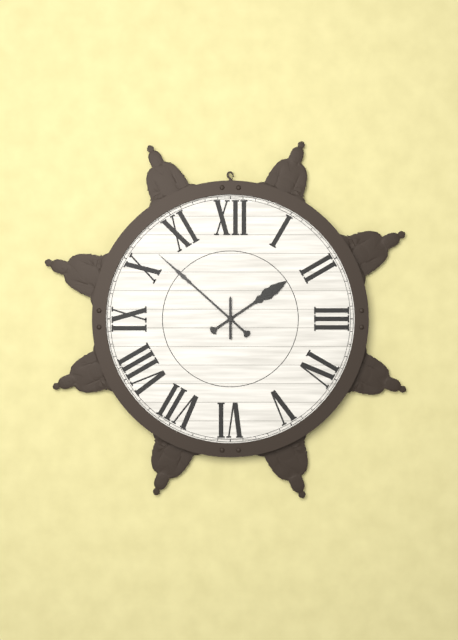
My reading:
h=1 m=52
